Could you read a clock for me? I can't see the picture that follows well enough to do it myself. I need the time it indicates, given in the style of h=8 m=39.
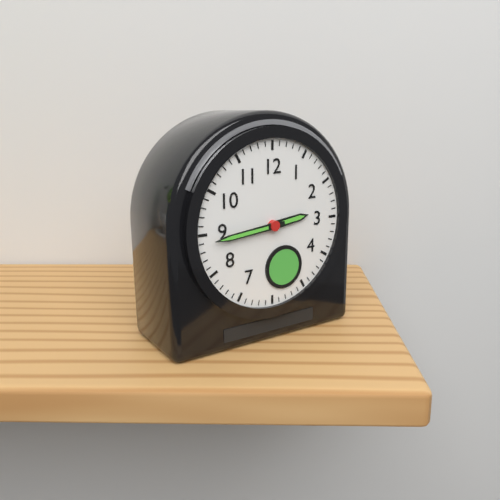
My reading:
h=2 m=44
